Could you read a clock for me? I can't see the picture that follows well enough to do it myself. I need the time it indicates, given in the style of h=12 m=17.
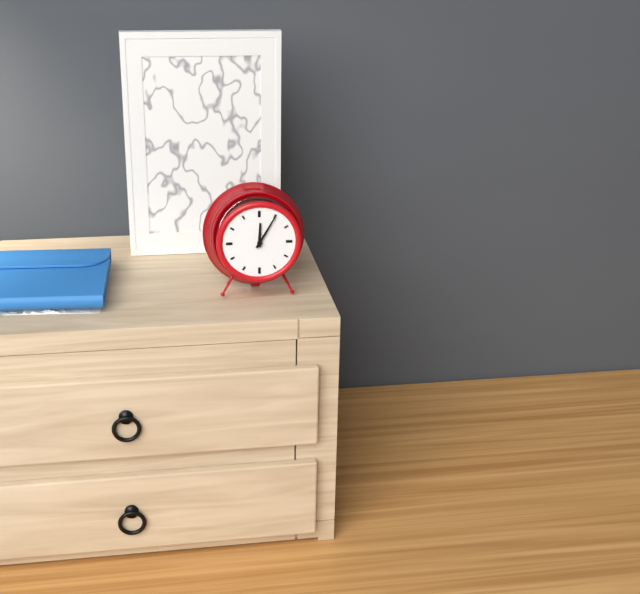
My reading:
h=12 m=5
